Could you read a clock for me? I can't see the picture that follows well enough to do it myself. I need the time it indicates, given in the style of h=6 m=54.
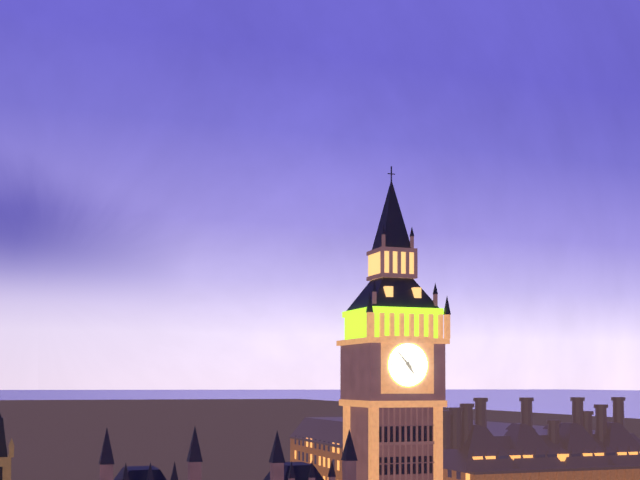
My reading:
h=4 m=53
